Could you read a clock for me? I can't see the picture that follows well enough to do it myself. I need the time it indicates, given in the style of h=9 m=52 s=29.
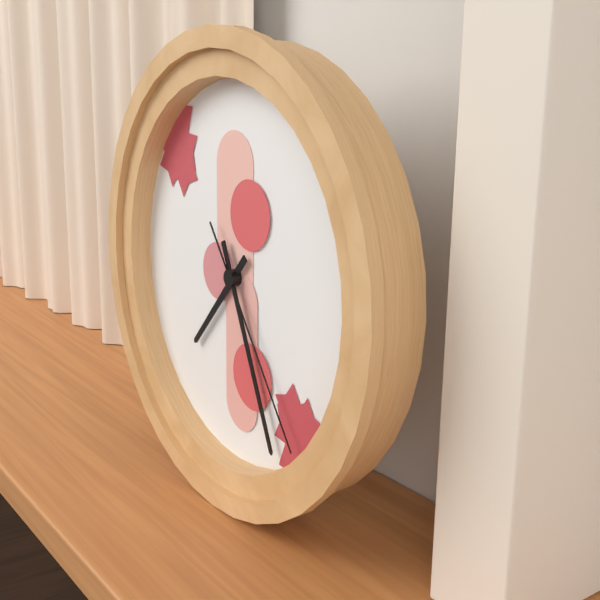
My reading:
h=7 m=26 s=24
